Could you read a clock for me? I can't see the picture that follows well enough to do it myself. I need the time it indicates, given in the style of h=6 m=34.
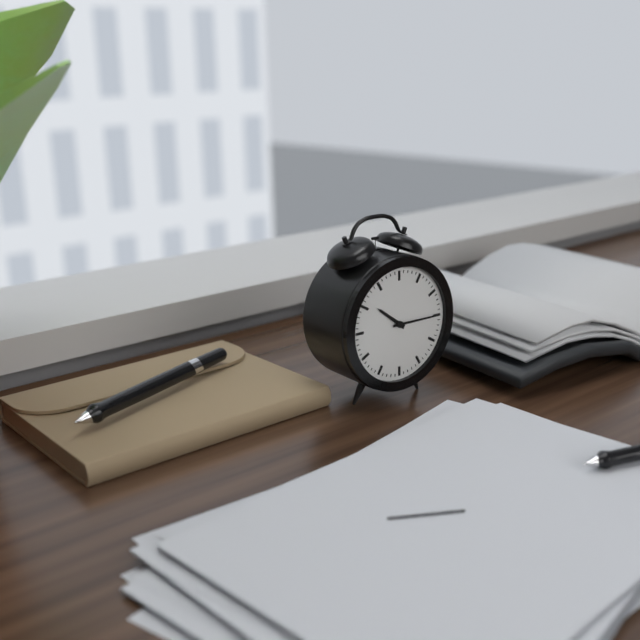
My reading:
h=10 m=15
